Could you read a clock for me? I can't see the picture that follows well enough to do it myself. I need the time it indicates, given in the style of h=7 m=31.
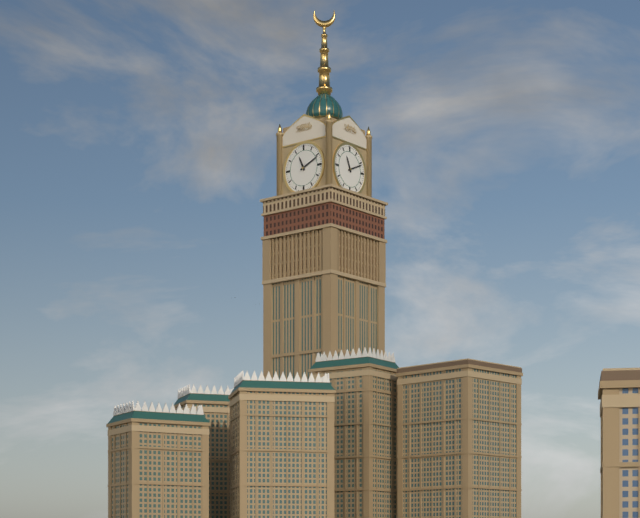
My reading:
h=11 m=11
